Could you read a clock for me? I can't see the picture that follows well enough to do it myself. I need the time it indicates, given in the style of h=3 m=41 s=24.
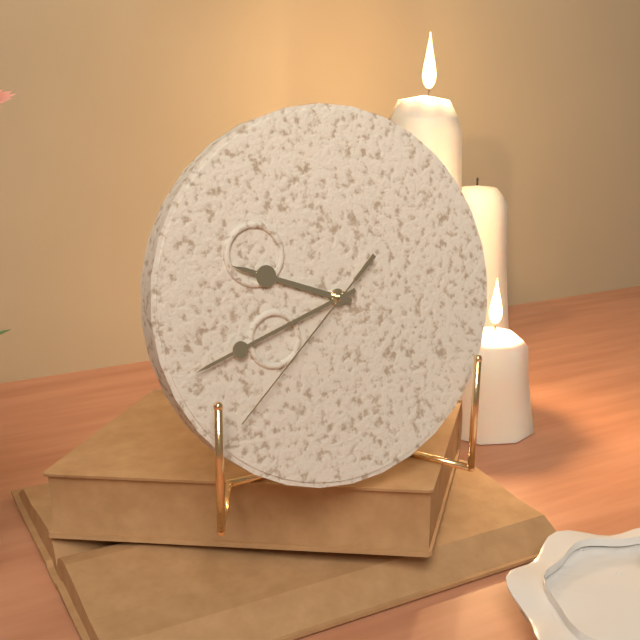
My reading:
h=9 m=42 s=38
